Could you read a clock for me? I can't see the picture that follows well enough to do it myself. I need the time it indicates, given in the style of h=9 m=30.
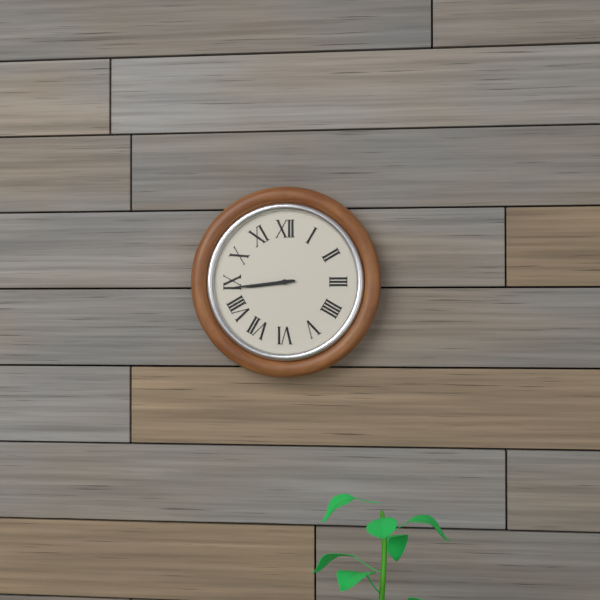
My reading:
h=8 m=44
